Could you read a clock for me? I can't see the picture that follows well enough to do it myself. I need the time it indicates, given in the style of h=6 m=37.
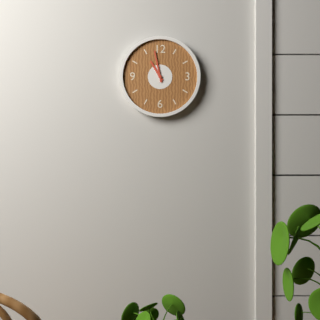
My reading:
h=10 m=58
